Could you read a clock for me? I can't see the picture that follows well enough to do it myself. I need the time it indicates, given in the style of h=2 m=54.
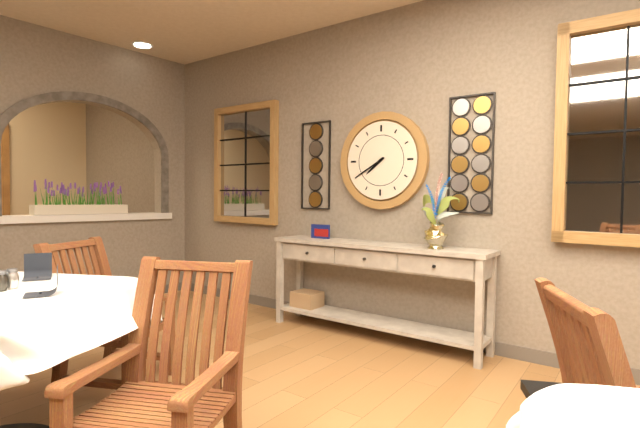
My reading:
h=7 m=40
